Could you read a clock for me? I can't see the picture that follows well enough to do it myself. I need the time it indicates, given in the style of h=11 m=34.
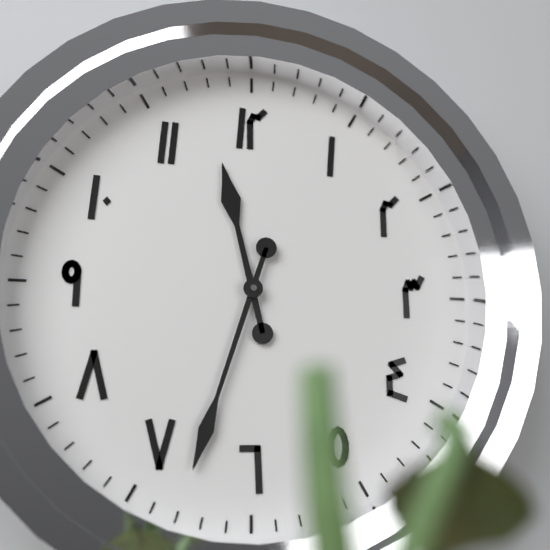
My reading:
h=11 m=33
